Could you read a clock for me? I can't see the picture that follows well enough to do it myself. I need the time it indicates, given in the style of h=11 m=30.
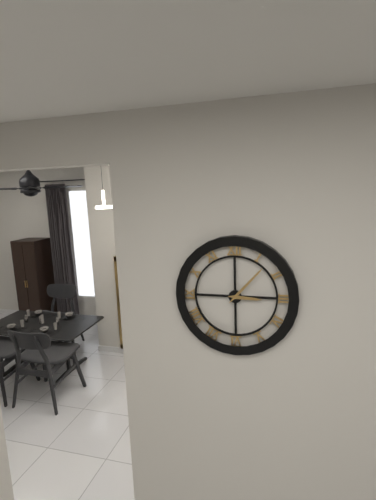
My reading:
h=3 m=7
